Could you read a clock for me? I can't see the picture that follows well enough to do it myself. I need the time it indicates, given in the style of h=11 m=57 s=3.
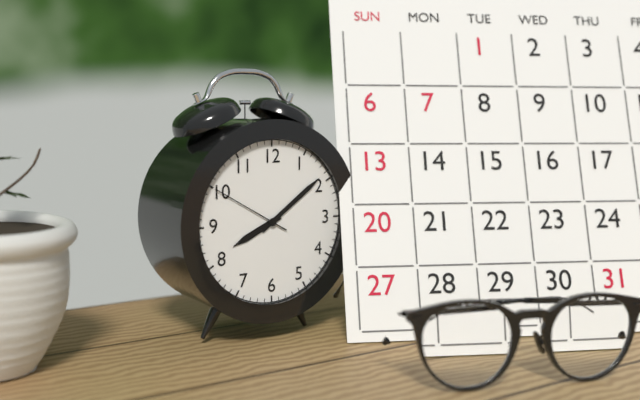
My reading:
h=8 m=9 s=50
